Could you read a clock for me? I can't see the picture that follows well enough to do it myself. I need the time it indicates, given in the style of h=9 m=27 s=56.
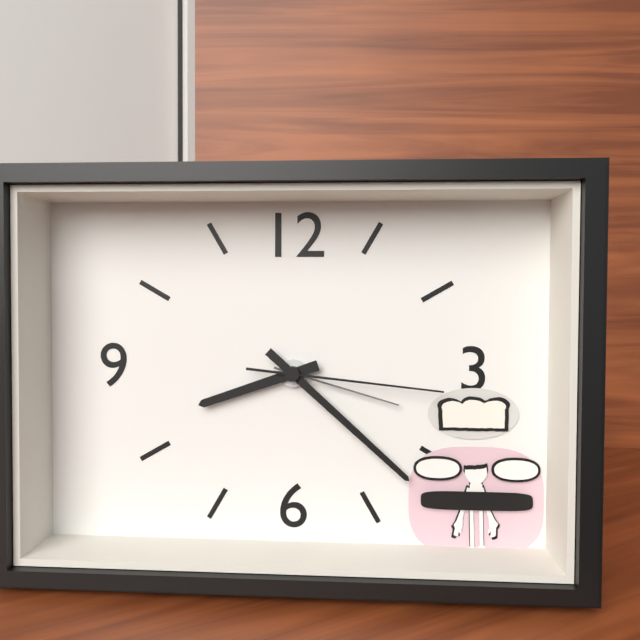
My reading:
h=8 m=22 s=16
